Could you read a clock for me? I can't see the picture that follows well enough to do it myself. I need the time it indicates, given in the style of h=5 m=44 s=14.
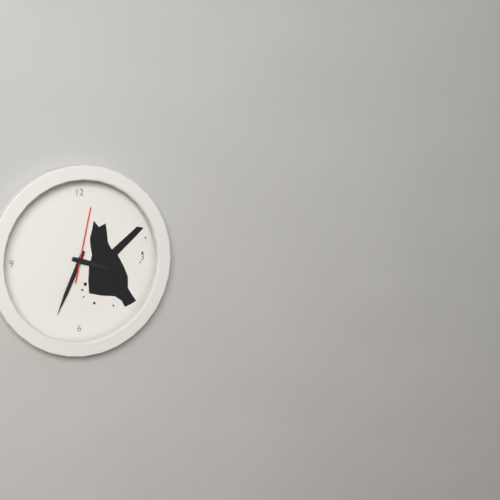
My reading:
h=3 m=34 s=2
